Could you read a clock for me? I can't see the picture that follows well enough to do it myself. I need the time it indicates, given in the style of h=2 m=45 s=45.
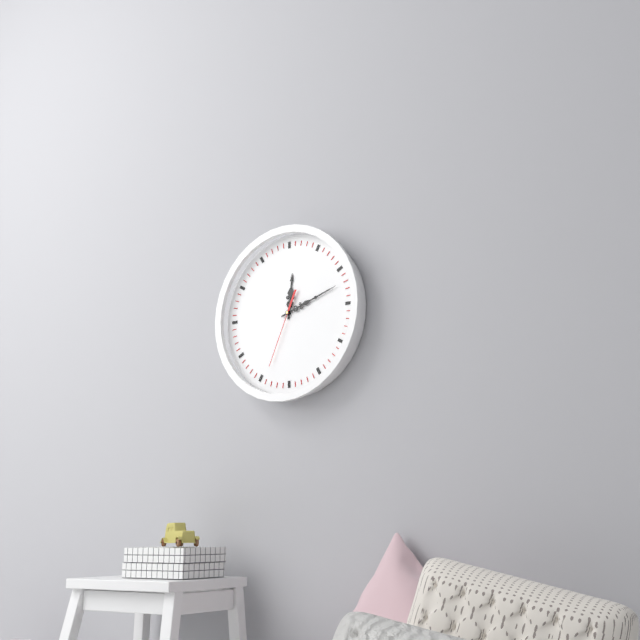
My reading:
h=12 m=12 s=34
